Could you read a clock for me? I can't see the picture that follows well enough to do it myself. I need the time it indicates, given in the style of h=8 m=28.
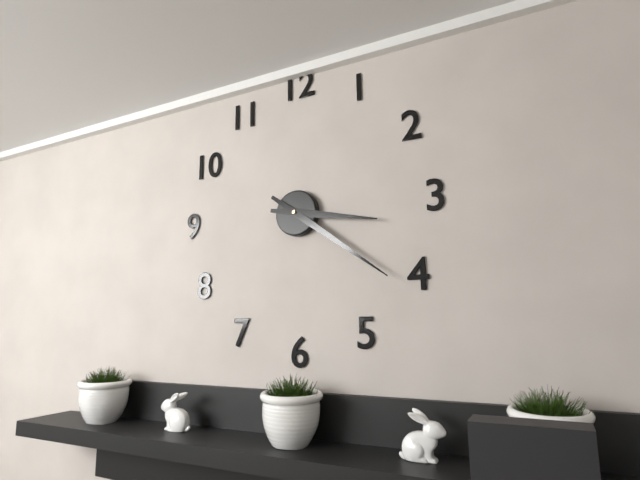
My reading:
h=3 m=21
